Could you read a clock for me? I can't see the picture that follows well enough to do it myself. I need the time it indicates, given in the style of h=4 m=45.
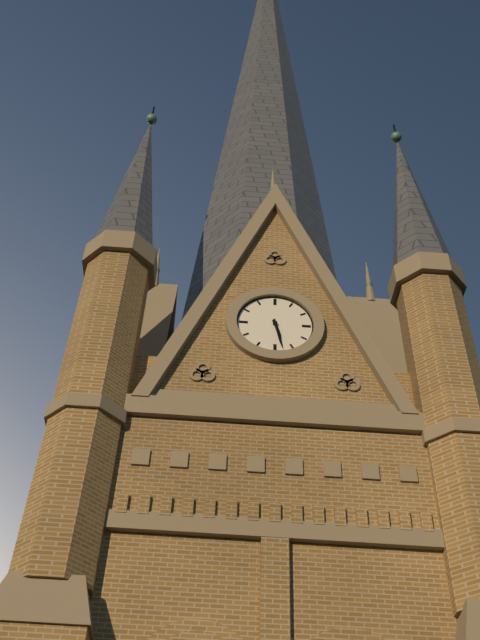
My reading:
h=5 m=28
